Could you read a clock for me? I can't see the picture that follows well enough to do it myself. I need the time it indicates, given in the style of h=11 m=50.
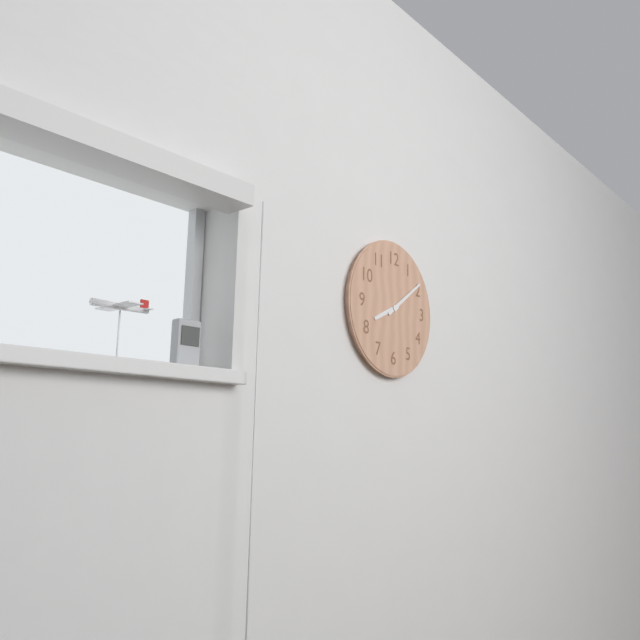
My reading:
h=8 m=9
